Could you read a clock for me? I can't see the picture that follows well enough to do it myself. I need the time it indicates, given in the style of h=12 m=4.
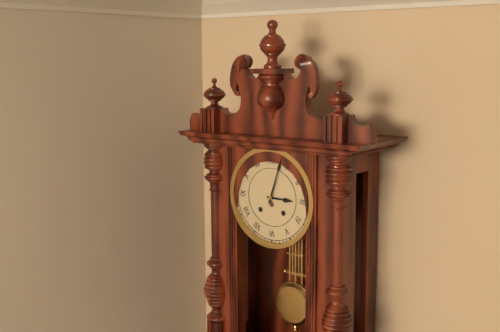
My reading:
h=3 m=3
